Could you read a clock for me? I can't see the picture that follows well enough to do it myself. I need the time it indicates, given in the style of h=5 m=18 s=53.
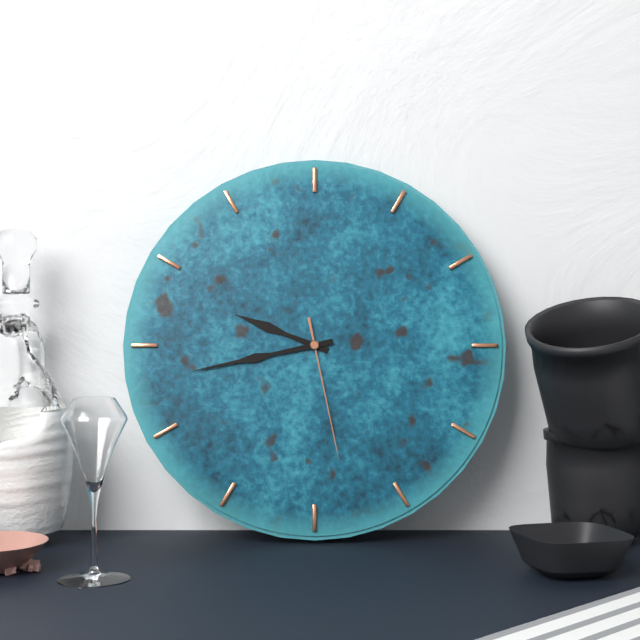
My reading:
h=9 m=43 s=28
